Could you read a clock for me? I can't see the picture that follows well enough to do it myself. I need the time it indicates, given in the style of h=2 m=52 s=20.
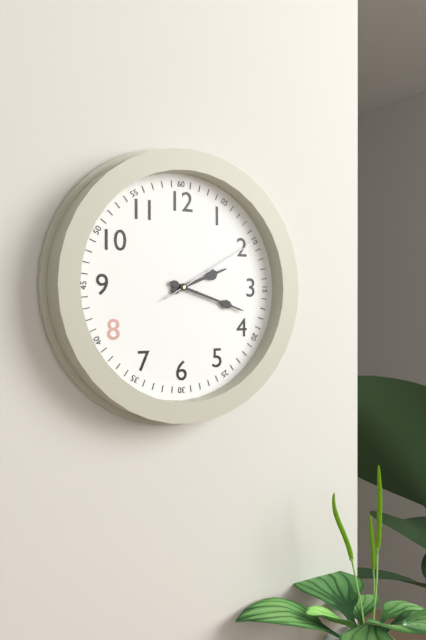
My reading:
h=2 m=18 s=10
